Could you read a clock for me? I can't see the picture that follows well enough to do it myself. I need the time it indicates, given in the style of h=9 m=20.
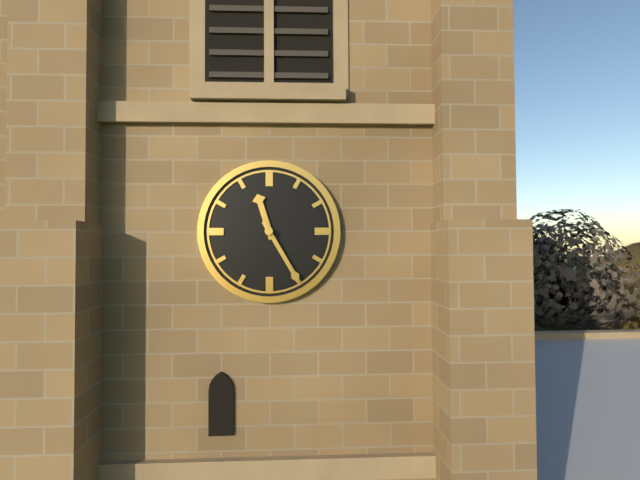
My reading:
h=11 m=25
